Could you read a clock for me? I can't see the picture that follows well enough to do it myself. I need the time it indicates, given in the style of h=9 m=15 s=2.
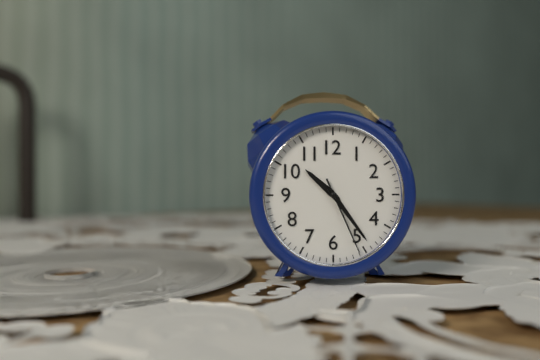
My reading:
h=10 m=24 s=26
